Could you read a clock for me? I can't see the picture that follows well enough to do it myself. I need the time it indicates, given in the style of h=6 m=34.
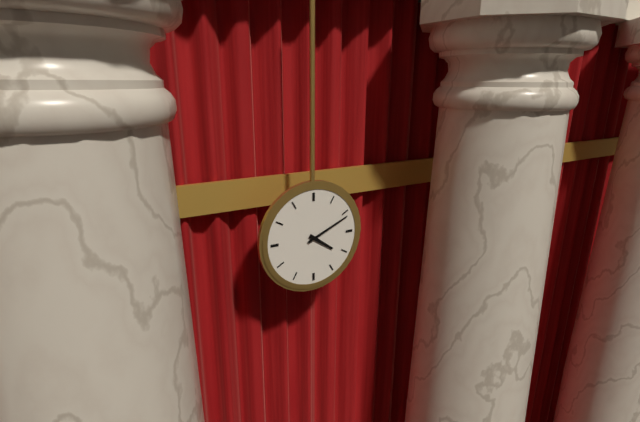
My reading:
h=4 m=11
